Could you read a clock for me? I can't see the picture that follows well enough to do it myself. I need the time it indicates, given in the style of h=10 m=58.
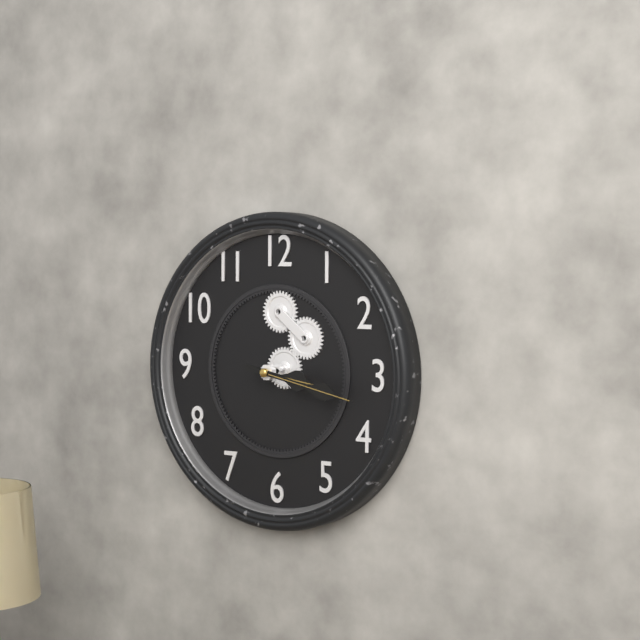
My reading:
h=3 m=17
